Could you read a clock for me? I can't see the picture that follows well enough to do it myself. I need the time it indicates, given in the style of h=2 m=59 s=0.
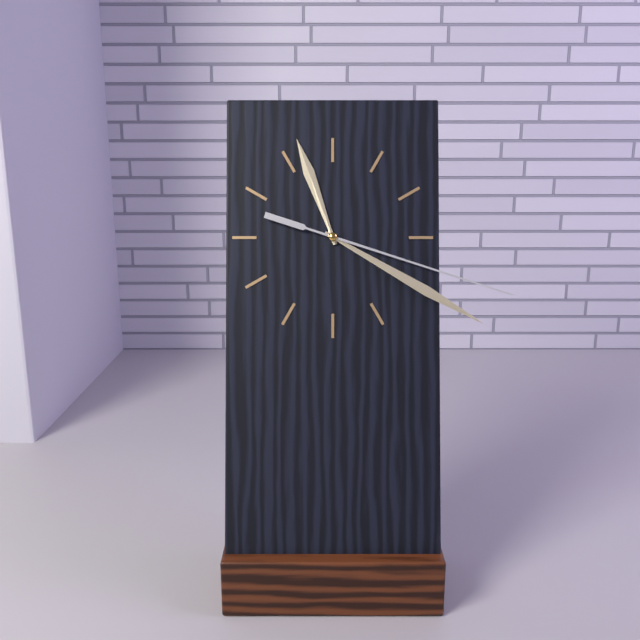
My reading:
h=11 m=20 s=18
